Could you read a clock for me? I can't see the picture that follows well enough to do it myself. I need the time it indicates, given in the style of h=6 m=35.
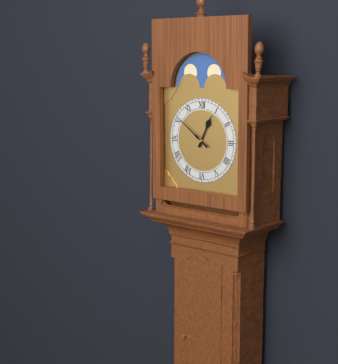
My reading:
h=12 m=51
